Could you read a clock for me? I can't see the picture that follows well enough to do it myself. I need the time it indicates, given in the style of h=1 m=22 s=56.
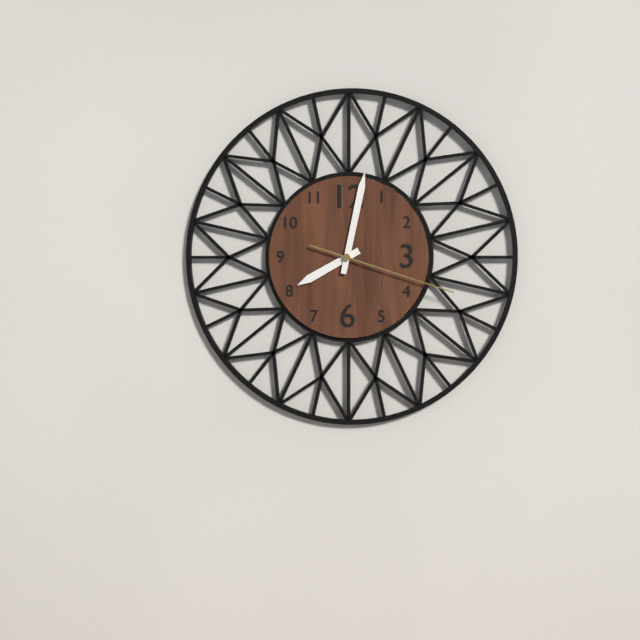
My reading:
h=8 m=2 s=18
